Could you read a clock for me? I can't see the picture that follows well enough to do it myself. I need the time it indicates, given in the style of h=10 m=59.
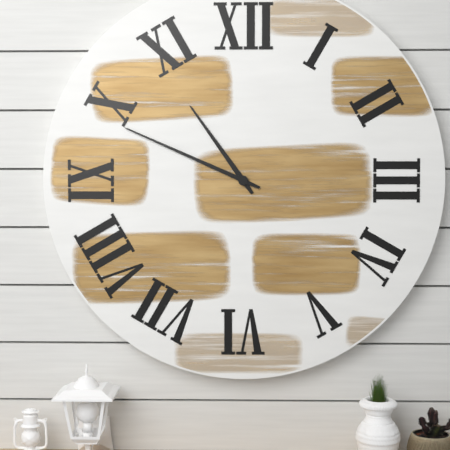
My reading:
h=10 m=49
